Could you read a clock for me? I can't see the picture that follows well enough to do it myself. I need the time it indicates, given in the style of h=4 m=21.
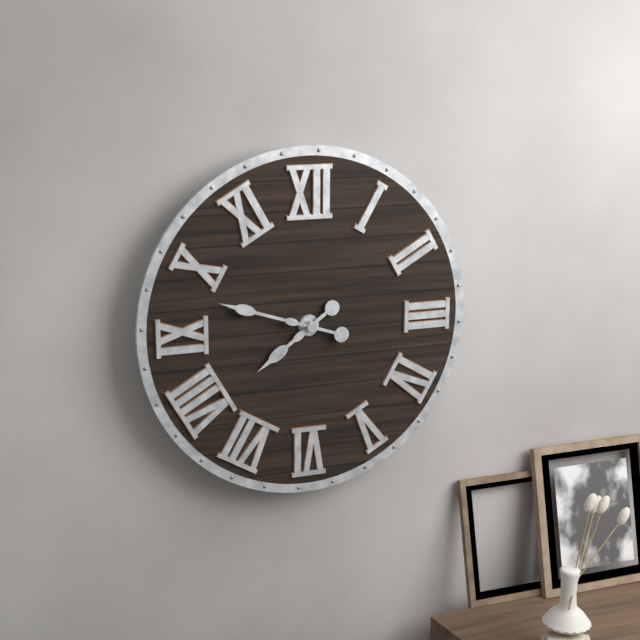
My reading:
h=7 m=48
